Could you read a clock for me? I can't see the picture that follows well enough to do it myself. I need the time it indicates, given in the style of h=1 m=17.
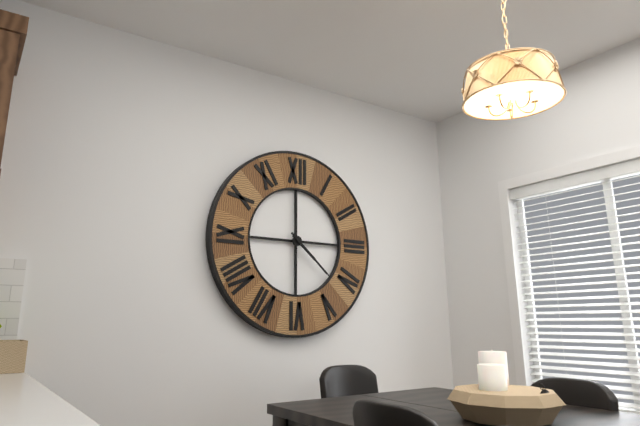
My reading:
h=4 m=22
